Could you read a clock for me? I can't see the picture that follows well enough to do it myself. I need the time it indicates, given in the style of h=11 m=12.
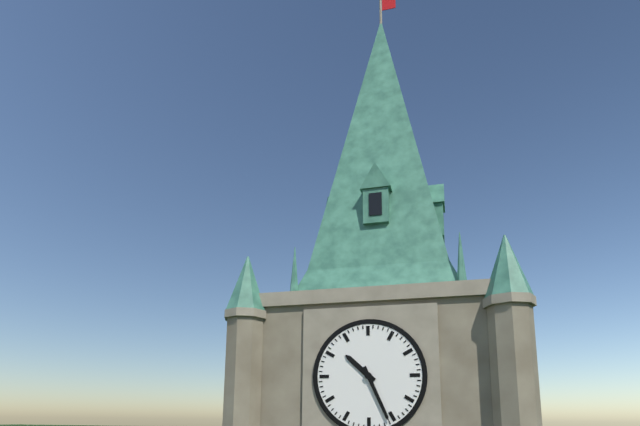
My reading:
h=10 m=26
